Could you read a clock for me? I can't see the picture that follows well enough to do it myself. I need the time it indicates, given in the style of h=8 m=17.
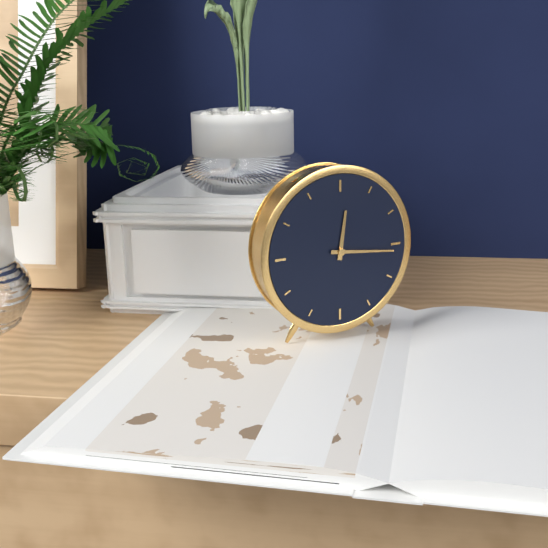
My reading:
h=12 m=16
